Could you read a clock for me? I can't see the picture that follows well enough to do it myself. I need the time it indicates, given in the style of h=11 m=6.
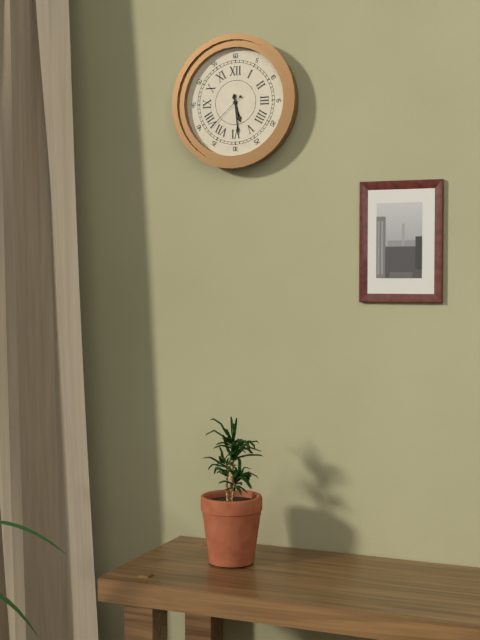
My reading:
h=5 m=29
